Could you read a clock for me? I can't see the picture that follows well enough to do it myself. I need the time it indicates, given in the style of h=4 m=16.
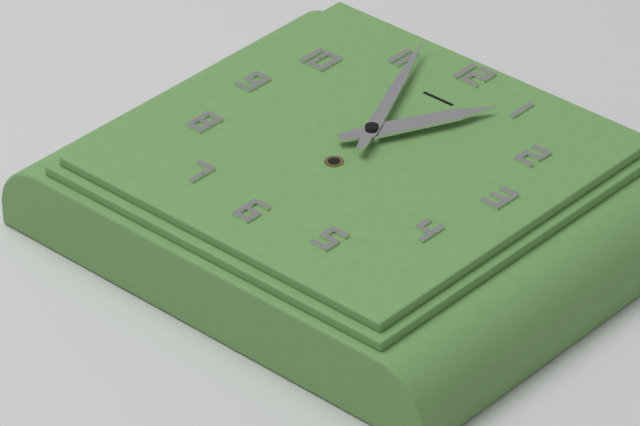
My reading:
h=12 m=56
